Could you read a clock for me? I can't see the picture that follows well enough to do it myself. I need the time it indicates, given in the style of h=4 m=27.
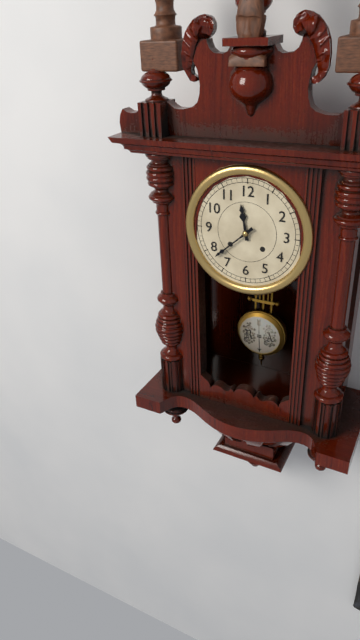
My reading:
h=11 m=38
